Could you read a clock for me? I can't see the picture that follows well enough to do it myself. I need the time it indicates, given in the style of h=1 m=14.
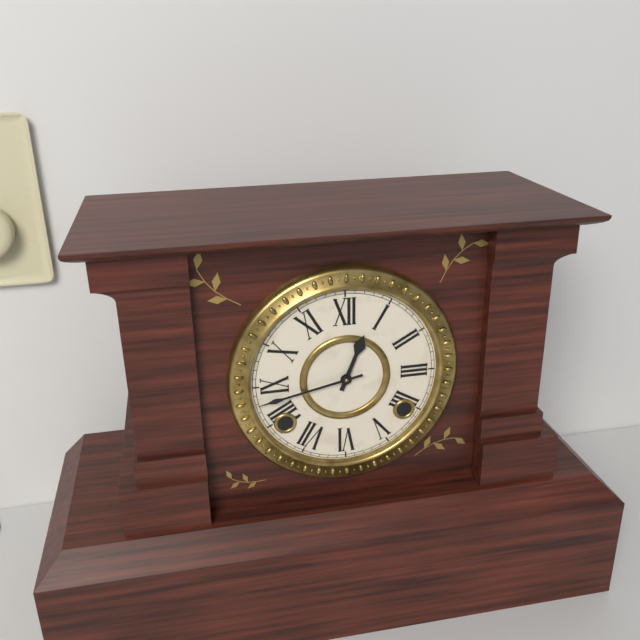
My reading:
h=12 m=43
